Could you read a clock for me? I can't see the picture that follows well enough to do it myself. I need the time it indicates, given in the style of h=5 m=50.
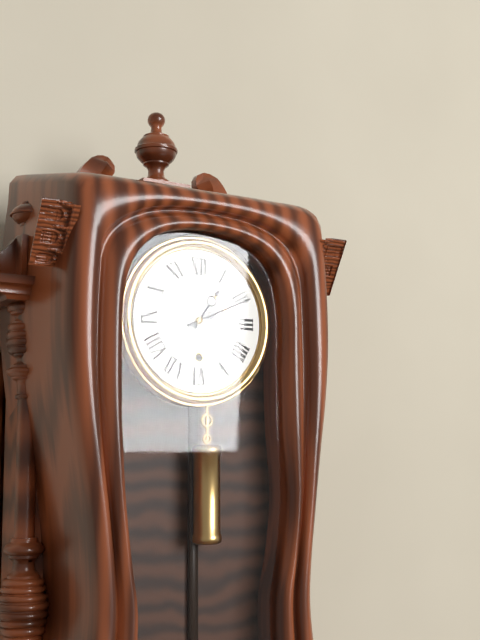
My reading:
h=1 m=11
